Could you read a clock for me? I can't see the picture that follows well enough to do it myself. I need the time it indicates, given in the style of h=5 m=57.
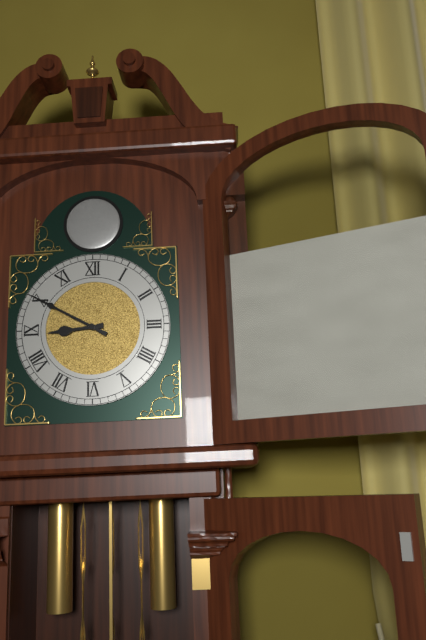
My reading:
h=8 m=50
